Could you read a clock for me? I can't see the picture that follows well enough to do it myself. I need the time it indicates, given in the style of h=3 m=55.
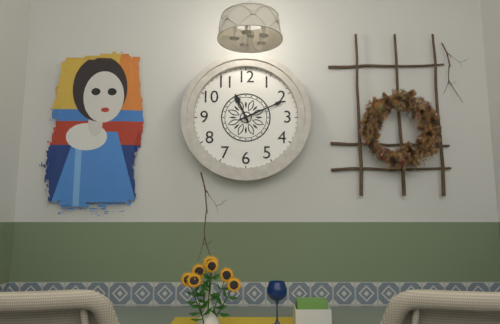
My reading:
h=11 m=11
